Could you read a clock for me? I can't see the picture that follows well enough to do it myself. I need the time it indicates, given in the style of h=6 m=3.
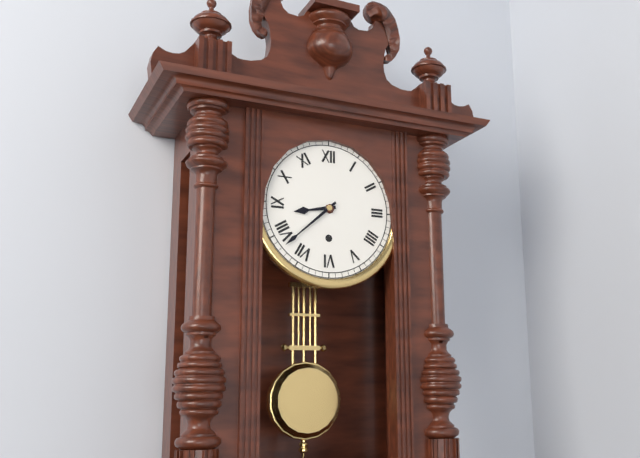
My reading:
h=8 m=38
